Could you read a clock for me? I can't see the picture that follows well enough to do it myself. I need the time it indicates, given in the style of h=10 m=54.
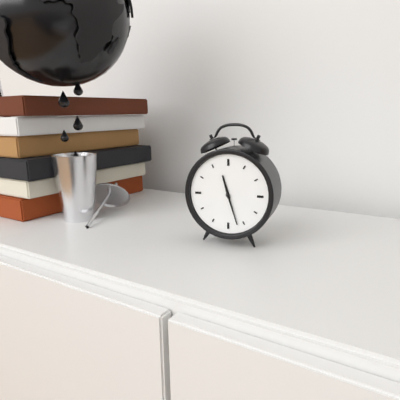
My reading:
h=11 m=27
